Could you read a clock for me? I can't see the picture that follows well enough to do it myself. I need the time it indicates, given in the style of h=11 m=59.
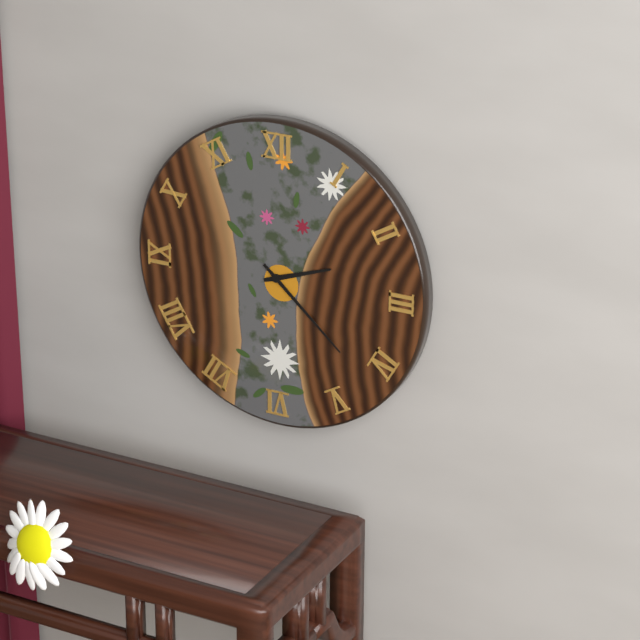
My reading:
h=2 m=22
